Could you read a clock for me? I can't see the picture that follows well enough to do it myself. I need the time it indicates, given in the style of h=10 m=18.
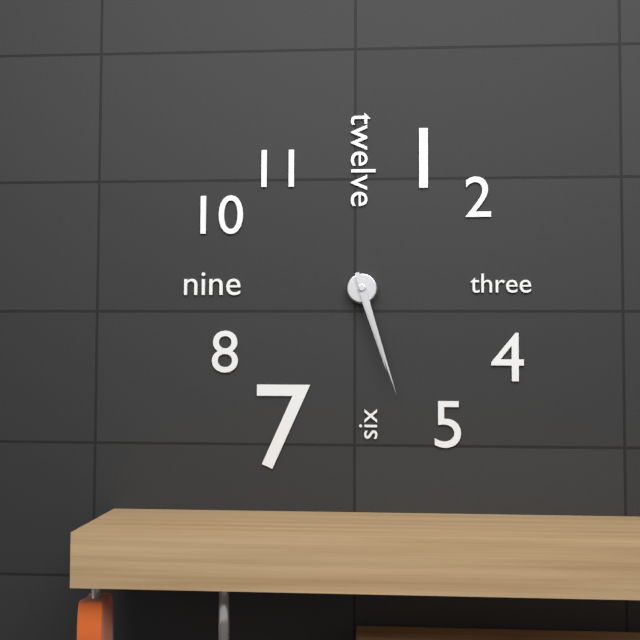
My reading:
h=5 m=27
